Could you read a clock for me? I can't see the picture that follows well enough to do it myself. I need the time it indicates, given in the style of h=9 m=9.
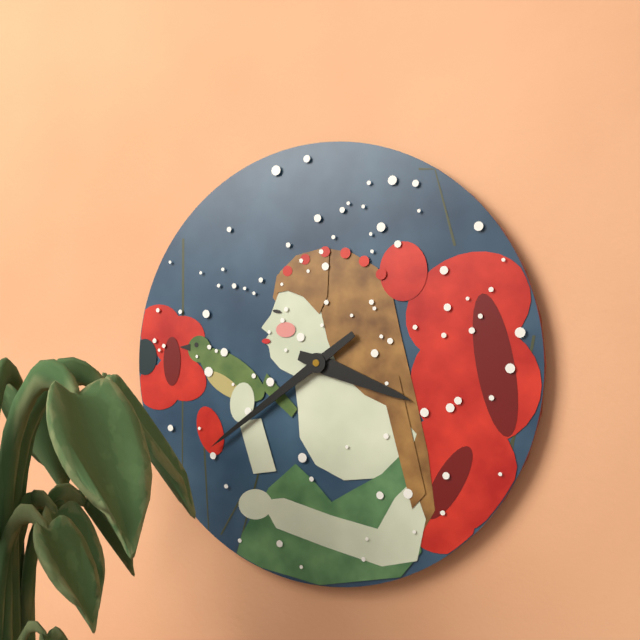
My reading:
h=3 m=39
